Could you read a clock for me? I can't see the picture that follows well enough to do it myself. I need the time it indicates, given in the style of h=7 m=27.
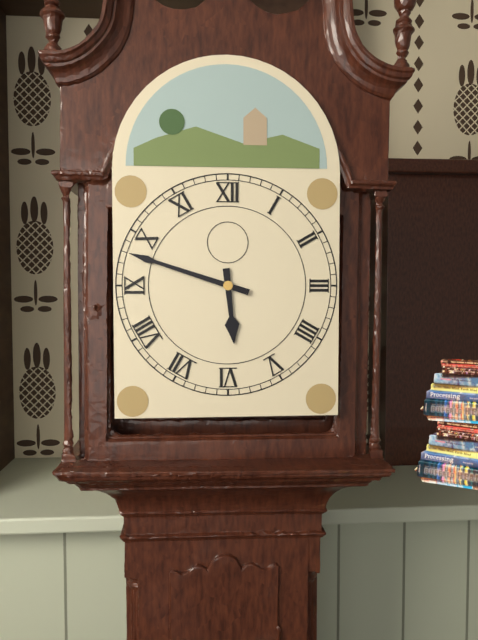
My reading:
h=5 m=48
